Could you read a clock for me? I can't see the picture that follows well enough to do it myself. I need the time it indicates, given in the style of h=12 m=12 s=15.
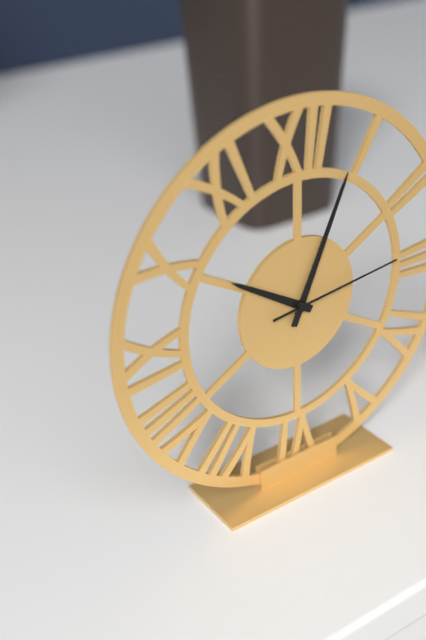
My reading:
h=10 m=4 s=14
